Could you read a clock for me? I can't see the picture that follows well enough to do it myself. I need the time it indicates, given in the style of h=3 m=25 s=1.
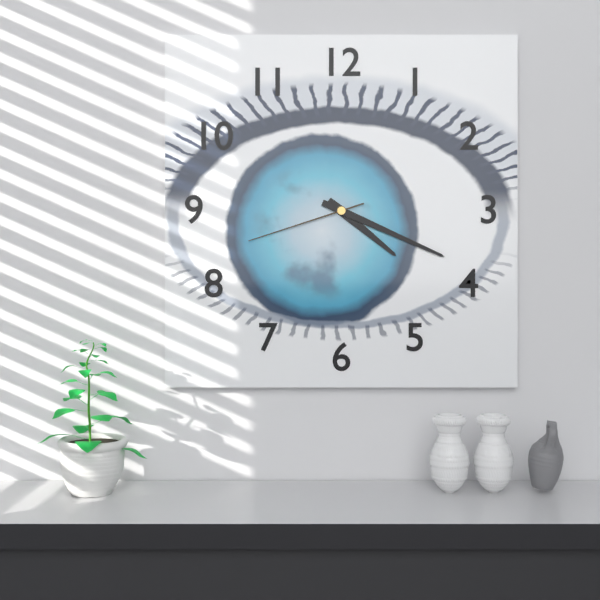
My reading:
h=4 m=19 s=42
